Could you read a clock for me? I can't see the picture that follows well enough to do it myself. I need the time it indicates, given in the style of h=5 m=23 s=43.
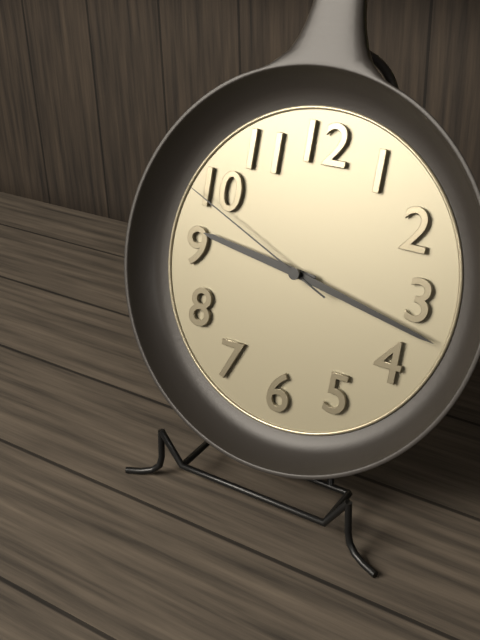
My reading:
h=9 m=17 s=49
